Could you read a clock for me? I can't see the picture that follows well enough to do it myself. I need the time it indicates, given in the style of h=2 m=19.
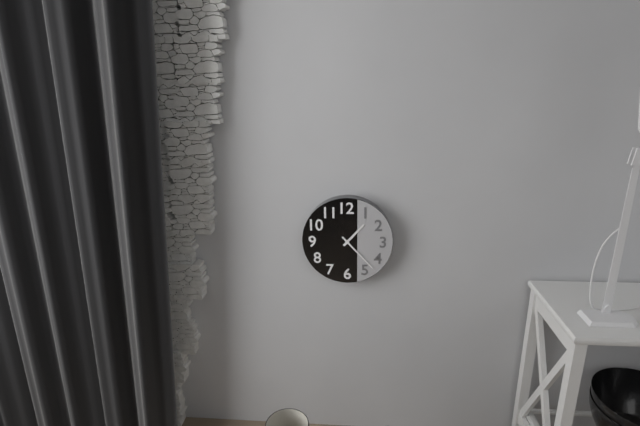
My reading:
h=1 m=23
